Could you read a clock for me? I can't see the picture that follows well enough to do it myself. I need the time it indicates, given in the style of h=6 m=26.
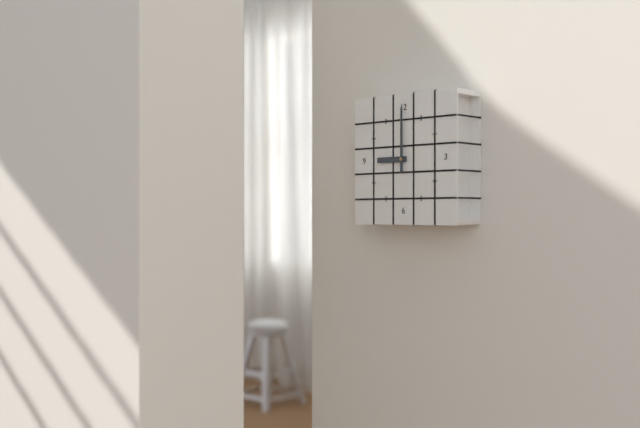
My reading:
h=9 m=0
